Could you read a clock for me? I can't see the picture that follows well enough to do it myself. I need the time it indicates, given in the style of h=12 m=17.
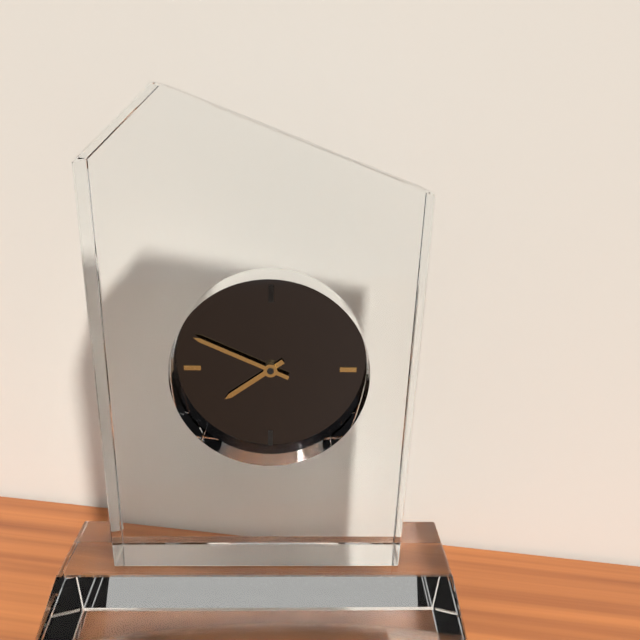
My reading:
h=7 m=49
